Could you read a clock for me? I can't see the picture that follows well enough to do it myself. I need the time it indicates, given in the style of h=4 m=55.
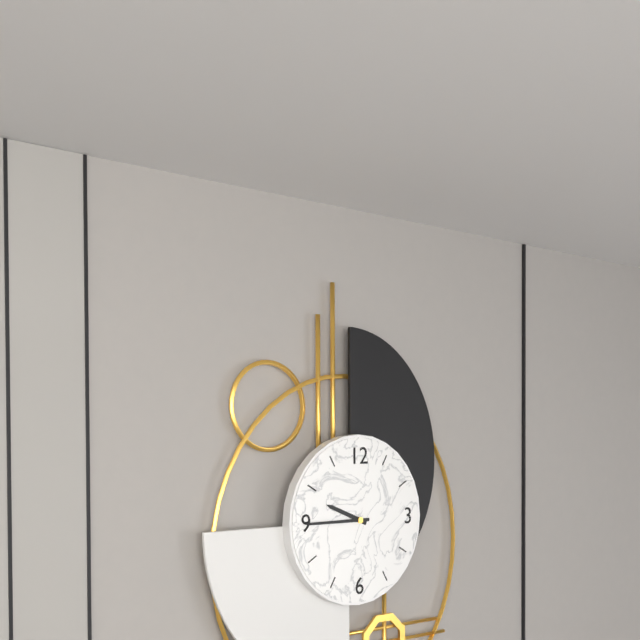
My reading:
h=9 m=45
